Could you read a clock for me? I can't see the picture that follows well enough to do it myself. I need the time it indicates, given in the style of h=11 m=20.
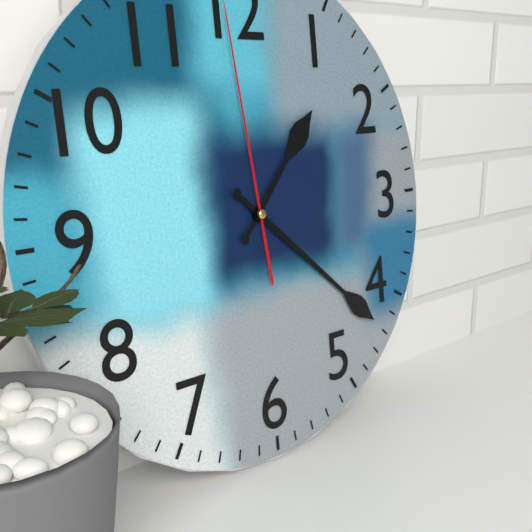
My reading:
h=1 m=22
